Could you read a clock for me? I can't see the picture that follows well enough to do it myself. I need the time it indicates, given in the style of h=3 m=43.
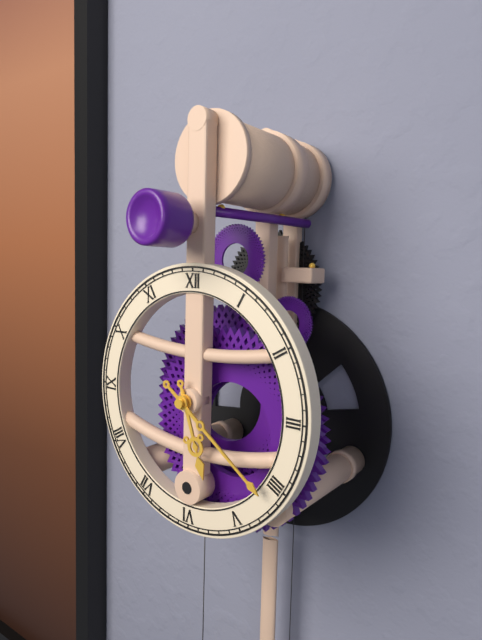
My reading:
h=5 m=21
